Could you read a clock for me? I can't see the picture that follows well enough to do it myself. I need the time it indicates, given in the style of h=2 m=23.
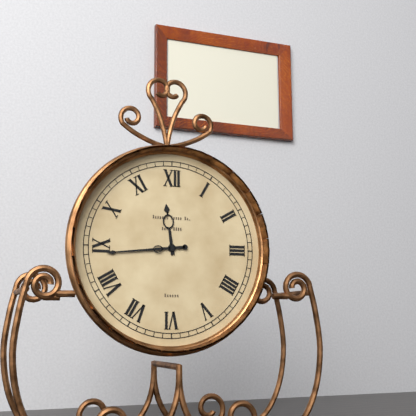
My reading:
h=11 m=44
